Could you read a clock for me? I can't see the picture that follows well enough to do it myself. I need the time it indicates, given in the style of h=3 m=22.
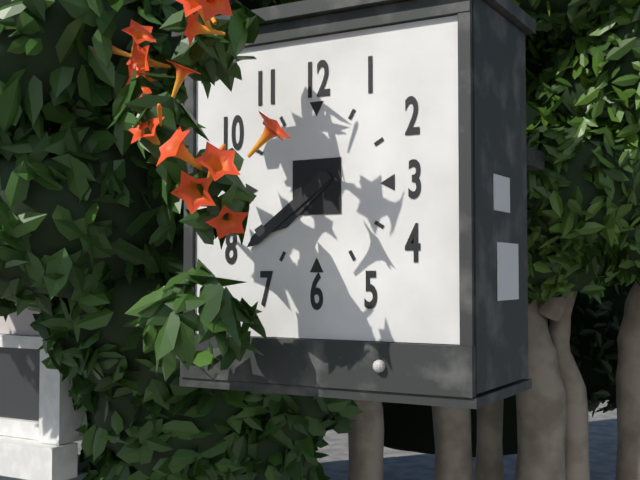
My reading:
h=7 m=39
